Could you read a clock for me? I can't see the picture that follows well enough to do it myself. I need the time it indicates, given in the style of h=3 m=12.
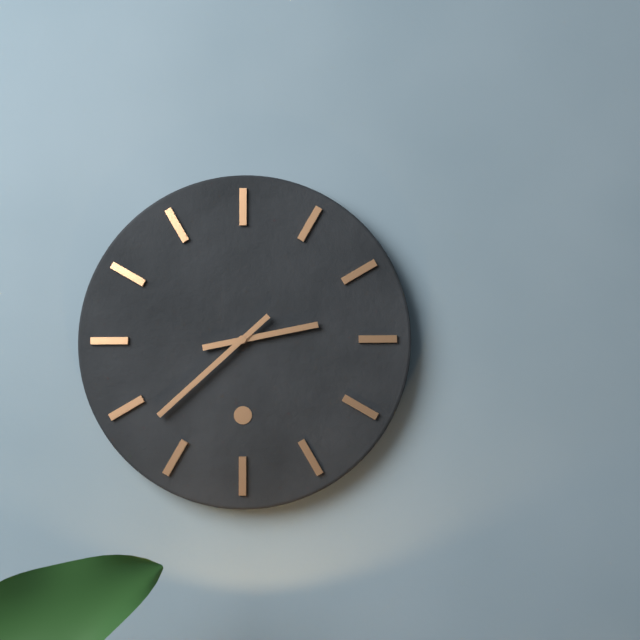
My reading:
h=2 m=38
